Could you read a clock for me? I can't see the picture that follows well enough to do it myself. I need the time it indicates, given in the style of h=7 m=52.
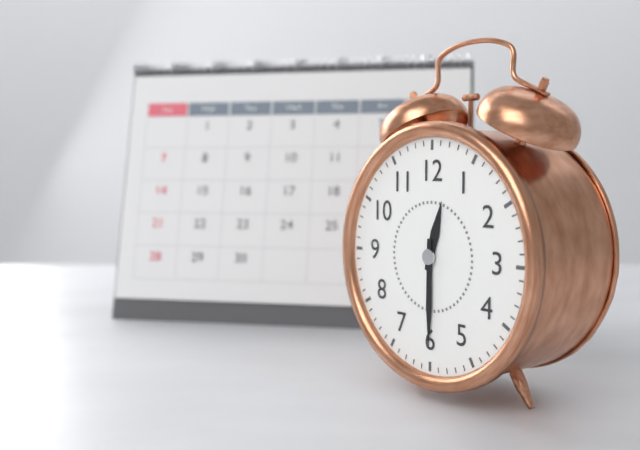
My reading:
h=12 m=30
